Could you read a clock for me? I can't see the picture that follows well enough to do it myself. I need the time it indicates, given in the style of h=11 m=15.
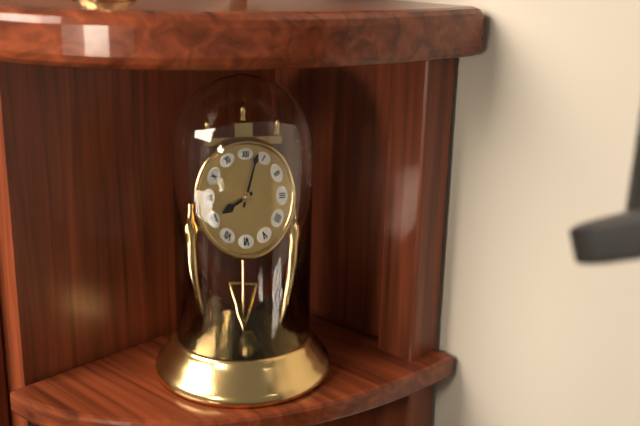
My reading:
h=8 m=3
